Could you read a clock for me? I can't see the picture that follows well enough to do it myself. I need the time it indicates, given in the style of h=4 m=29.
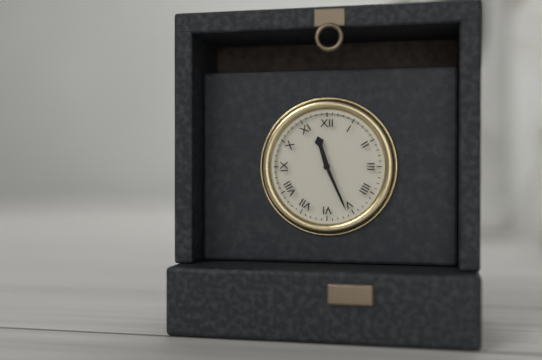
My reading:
h=11 m=26
